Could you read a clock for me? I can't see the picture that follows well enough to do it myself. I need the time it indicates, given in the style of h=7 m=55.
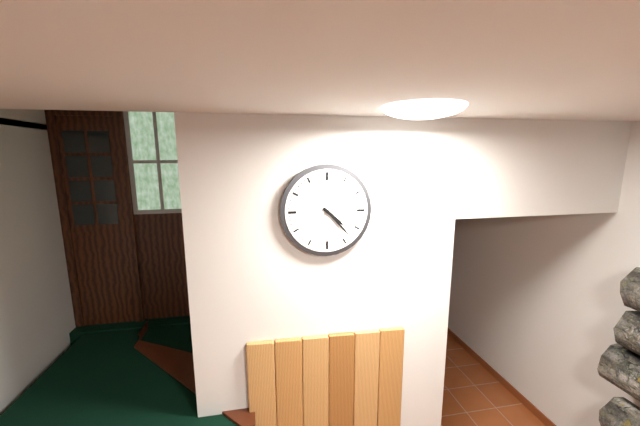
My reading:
h=4 m=23
